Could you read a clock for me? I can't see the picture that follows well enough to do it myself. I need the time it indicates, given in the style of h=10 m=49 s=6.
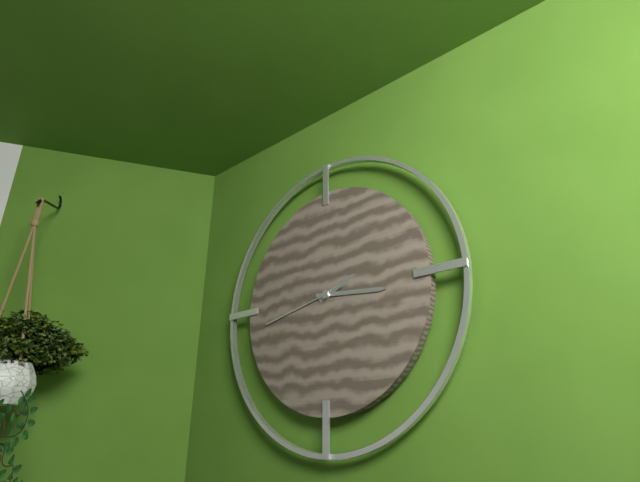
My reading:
h=2 m=16 s=43
